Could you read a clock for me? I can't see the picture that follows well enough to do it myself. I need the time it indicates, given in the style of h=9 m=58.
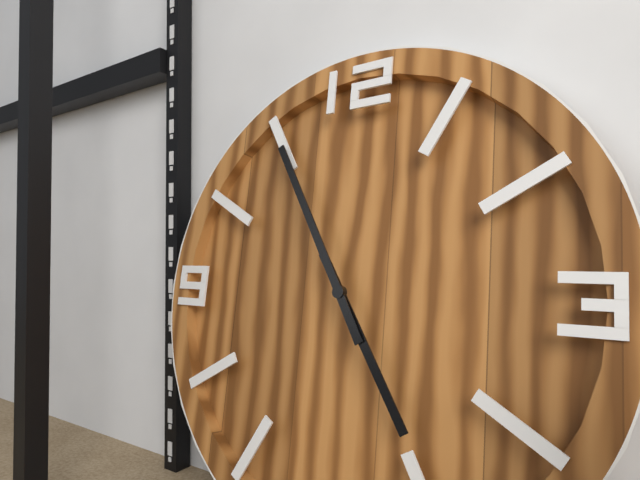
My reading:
h=4 m=55
